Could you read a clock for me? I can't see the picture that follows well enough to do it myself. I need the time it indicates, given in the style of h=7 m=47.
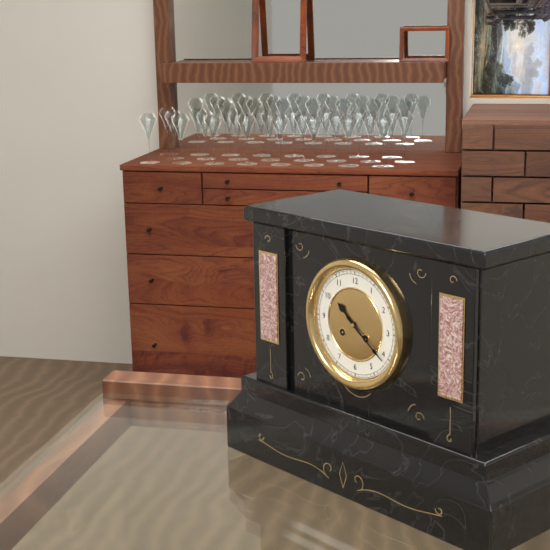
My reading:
h=10 m=21
